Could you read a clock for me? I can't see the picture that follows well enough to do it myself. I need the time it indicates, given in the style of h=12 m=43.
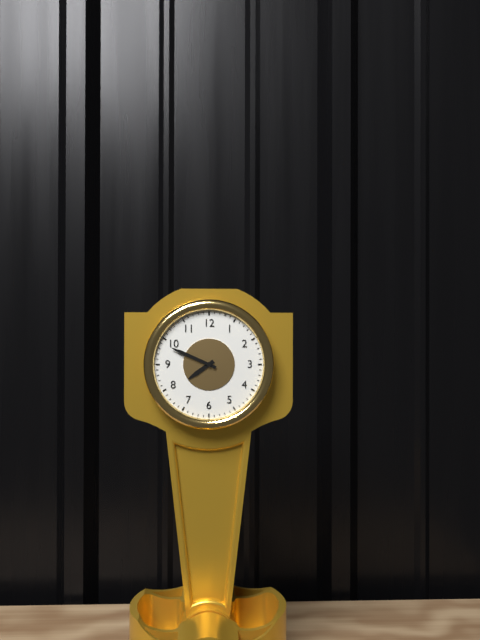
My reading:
h=7 m=49
